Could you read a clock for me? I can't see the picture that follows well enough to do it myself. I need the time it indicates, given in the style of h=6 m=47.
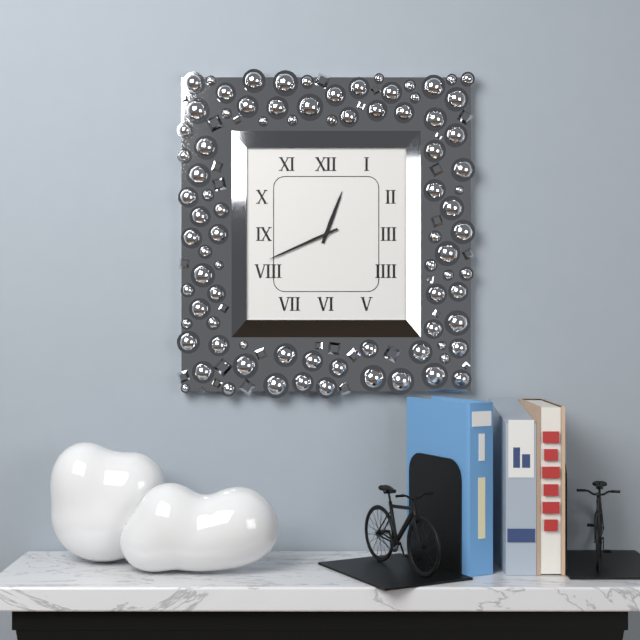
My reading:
h=12 m=41
